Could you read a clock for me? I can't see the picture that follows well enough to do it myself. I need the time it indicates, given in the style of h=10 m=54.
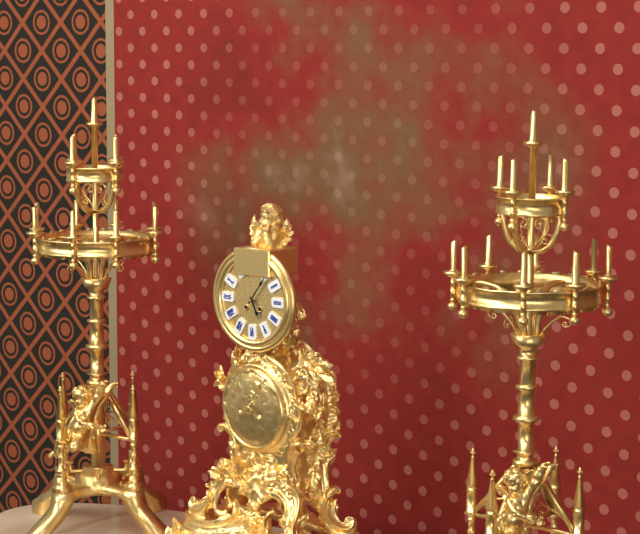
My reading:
h=5 m=6
